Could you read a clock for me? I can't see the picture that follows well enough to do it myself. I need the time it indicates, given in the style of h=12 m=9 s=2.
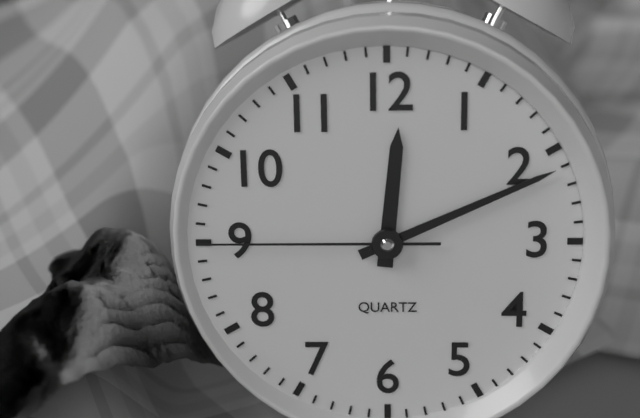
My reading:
h=12 m=11 s=45
